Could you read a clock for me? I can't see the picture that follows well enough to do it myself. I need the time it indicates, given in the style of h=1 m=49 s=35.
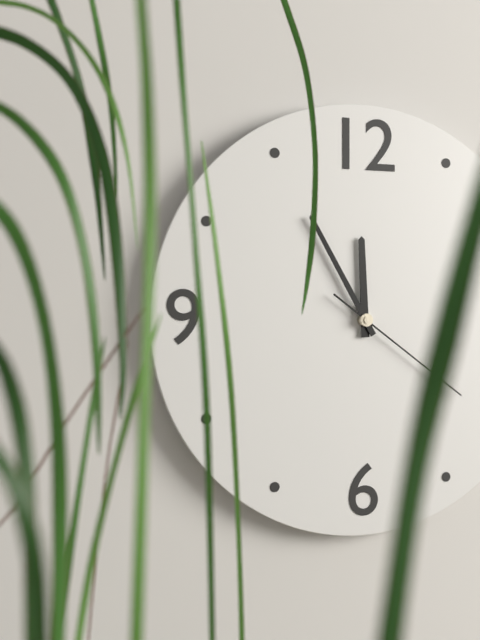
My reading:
h=11 m=55 s=21
